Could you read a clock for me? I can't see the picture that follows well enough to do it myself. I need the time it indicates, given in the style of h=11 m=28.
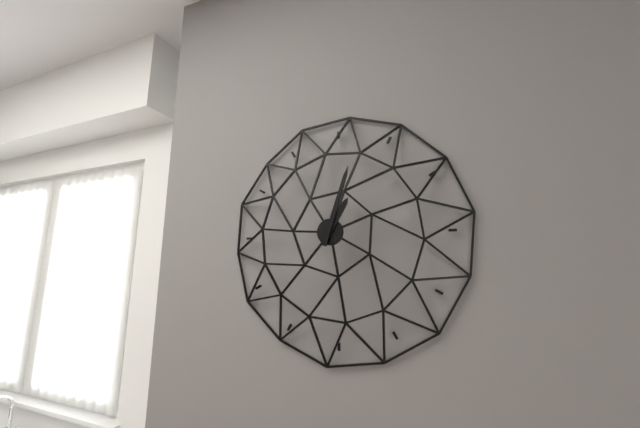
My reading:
h=1 m=3
